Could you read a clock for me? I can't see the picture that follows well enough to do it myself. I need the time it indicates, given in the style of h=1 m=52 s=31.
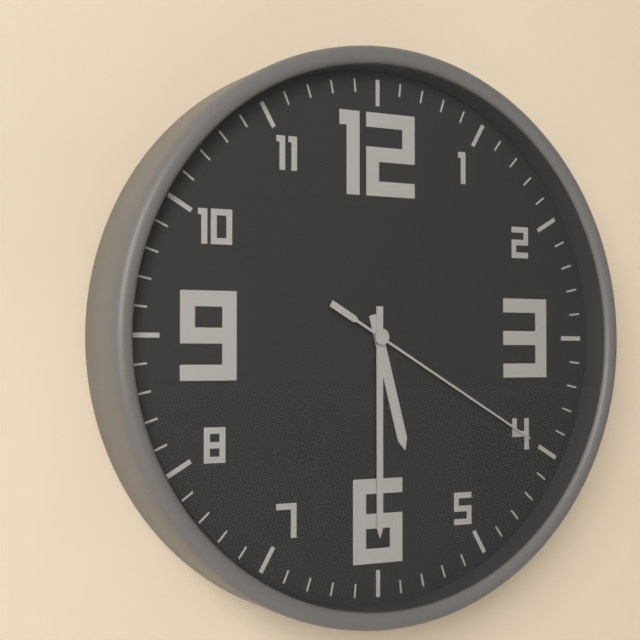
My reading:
h=5 m=30 s=20
